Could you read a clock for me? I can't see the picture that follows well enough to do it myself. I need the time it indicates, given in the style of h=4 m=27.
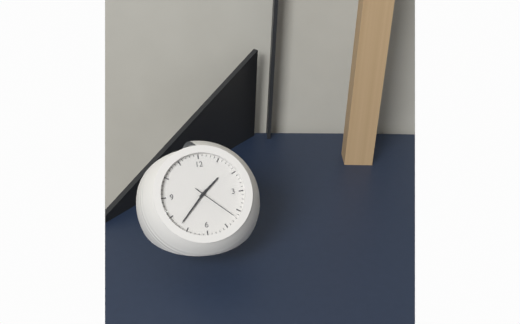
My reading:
h=1 m=37
